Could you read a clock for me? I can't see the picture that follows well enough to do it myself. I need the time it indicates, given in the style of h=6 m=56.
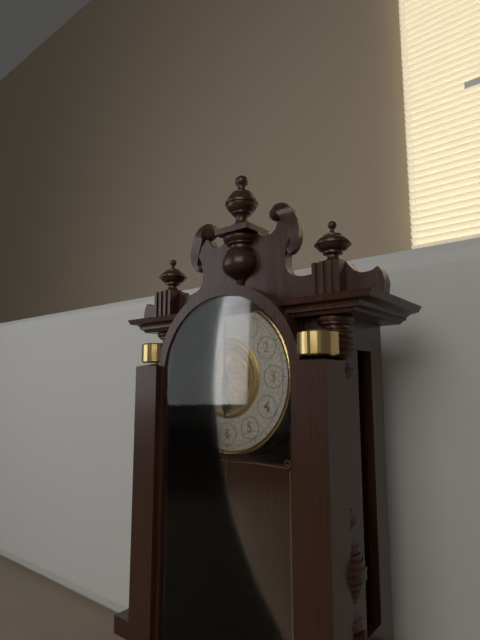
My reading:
h=6 m=0
